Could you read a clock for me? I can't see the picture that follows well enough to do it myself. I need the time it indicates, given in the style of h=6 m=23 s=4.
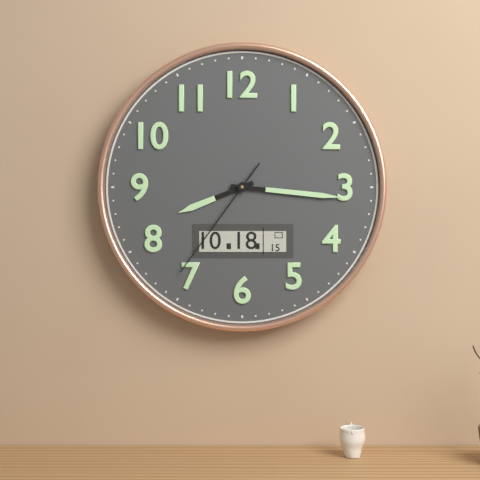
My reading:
h=8 m=16 s=36
